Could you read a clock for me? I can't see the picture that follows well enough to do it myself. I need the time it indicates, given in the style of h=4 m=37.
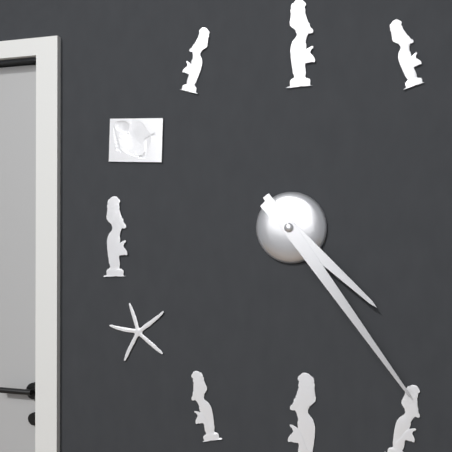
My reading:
h=4 m=24
